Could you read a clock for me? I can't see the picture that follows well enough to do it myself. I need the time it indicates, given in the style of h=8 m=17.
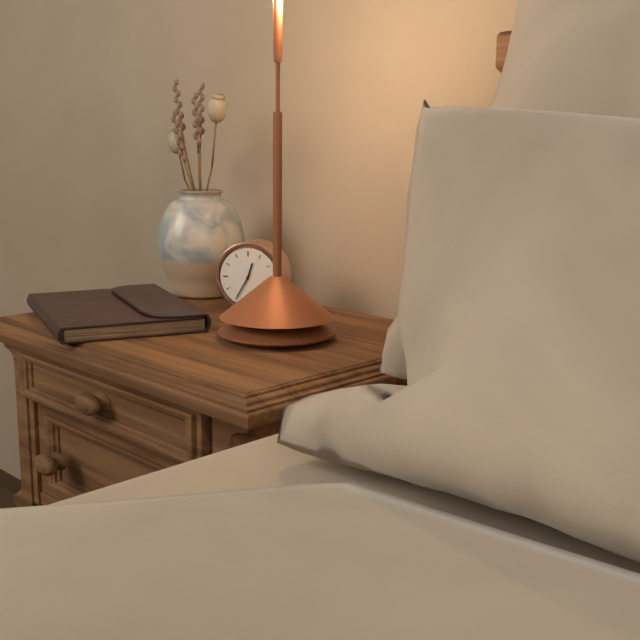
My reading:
h=12 m=35
